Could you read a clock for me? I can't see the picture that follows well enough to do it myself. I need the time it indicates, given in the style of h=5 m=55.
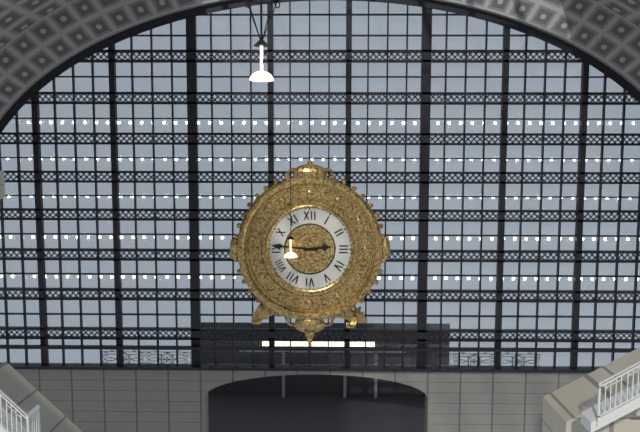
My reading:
h=2 m=46
